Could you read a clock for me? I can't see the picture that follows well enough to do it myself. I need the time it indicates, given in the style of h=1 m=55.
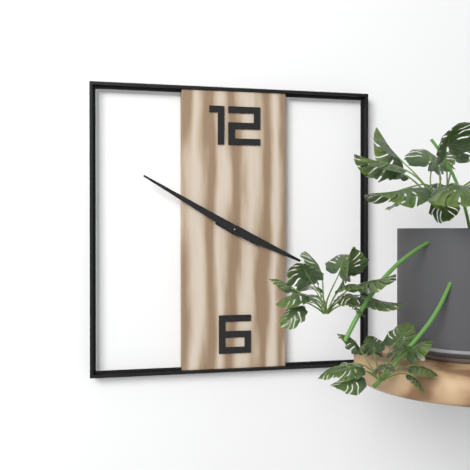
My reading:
h=3 m=50
